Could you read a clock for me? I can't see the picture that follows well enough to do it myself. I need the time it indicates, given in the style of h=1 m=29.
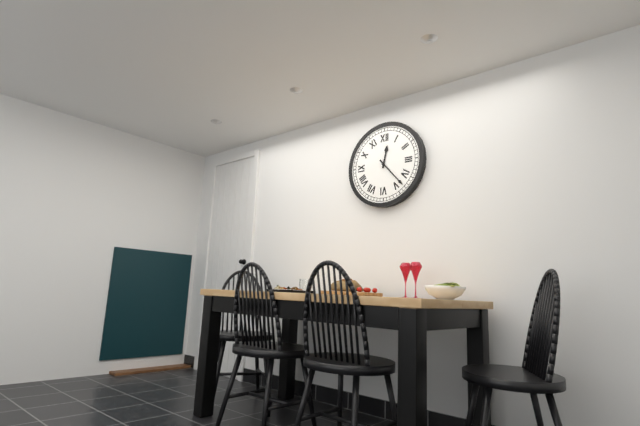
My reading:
h=12 m=23
